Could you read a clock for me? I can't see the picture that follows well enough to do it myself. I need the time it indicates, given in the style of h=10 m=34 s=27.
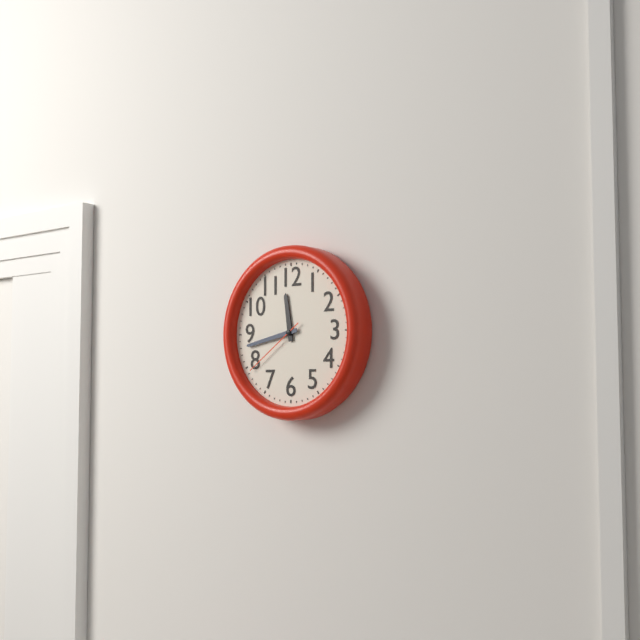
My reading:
h=11 m=43 s=39
